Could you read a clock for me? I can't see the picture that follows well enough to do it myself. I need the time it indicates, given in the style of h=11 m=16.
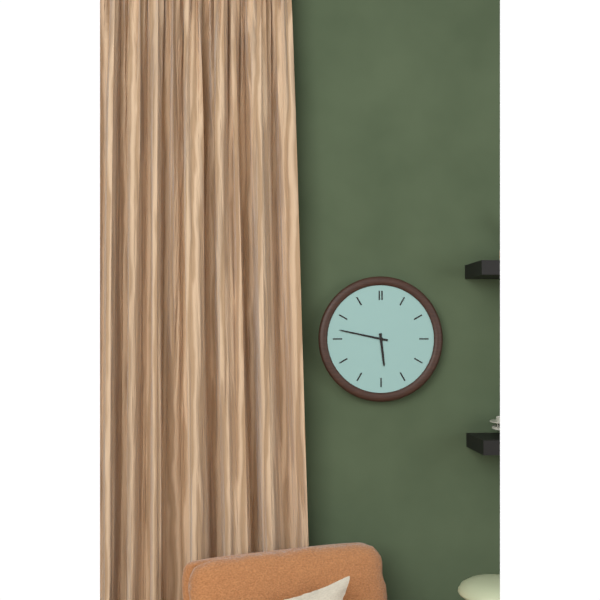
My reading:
h=5 m=47
